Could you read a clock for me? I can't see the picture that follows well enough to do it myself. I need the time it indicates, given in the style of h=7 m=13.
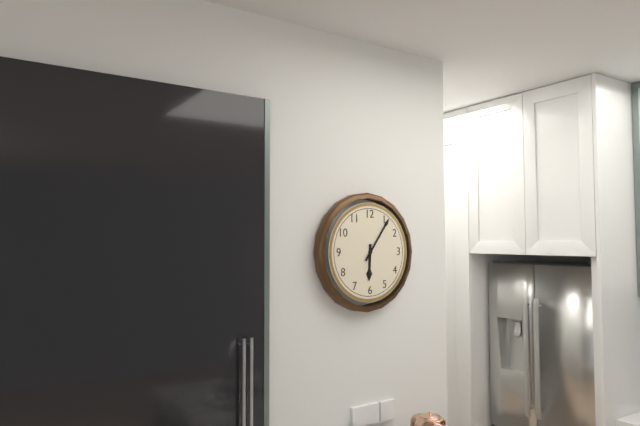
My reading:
h=6 m=6
